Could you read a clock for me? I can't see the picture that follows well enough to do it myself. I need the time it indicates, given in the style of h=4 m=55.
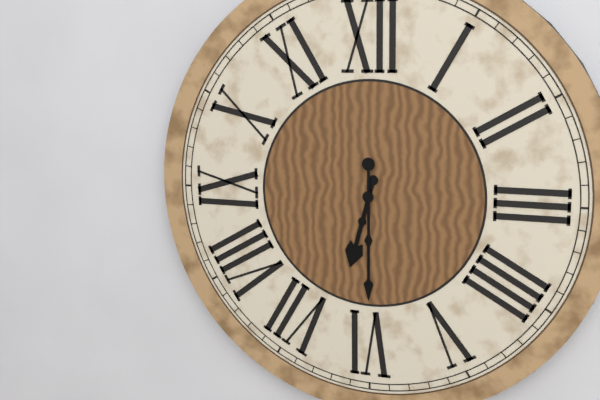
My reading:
h=6 m=30
